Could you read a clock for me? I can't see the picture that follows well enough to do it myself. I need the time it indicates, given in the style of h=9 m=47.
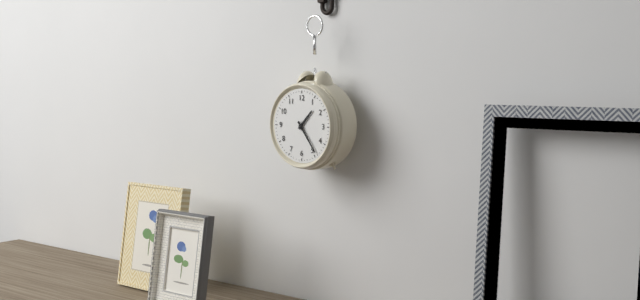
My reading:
h=1 m=24
